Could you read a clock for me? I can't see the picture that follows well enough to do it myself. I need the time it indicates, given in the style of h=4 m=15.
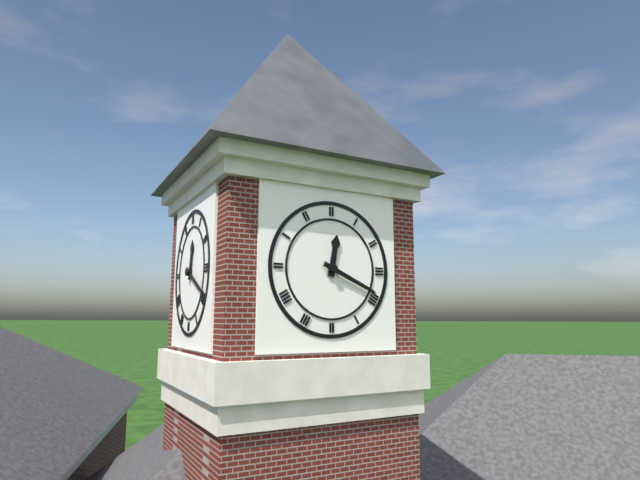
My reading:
h=12 m=19
